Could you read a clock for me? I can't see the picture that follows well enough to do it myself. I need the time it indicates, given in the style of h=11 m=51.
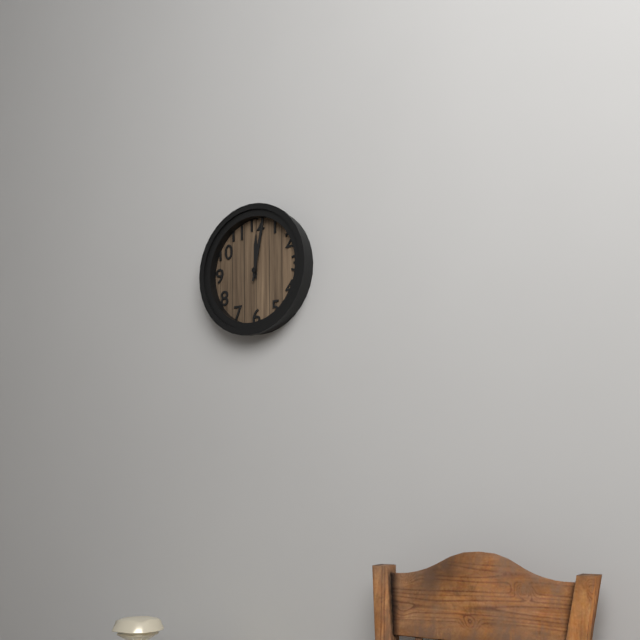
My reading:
h=12 m=2
